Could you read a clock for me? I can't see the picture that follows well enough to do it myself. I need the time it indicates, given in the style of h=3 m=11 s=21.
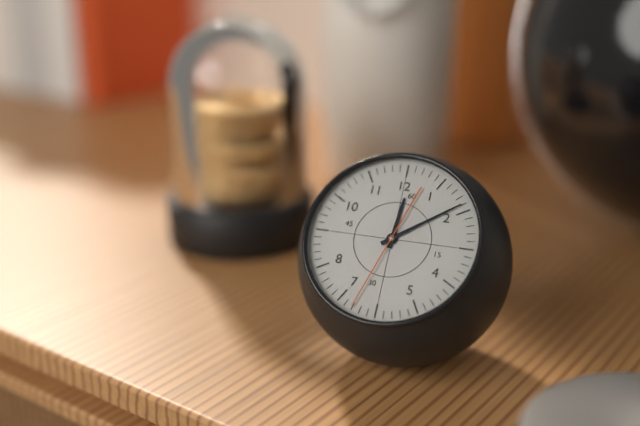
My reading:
h=12 m=9 s=33
